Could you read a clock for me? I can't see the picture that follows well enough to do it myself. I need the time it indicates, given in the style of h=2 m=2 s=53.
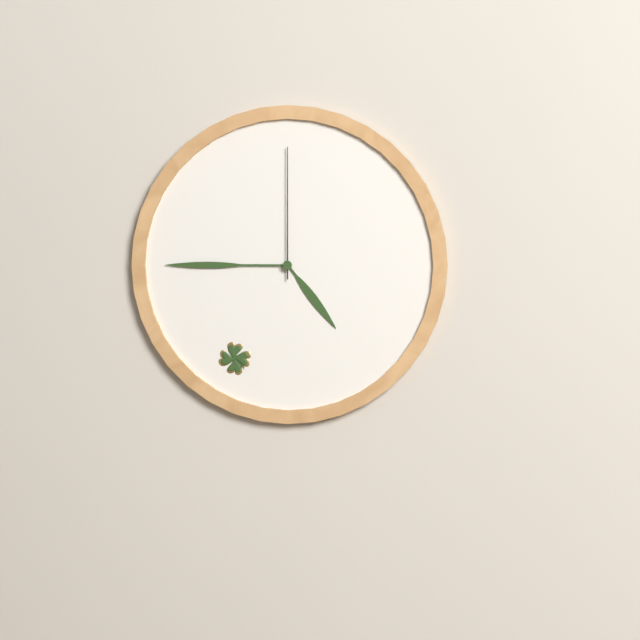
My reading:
h=4 m=45 s=0
